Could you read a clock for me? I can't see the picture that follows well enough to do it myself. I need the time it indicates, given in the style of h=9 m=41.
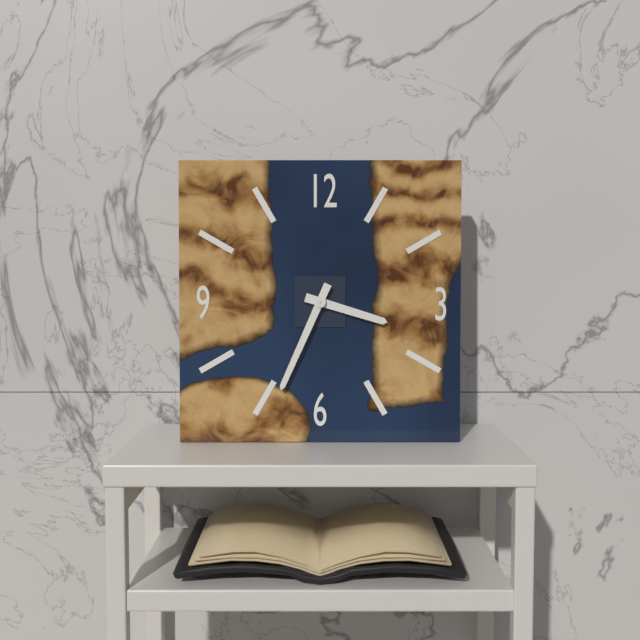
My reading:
h=3 m=34
